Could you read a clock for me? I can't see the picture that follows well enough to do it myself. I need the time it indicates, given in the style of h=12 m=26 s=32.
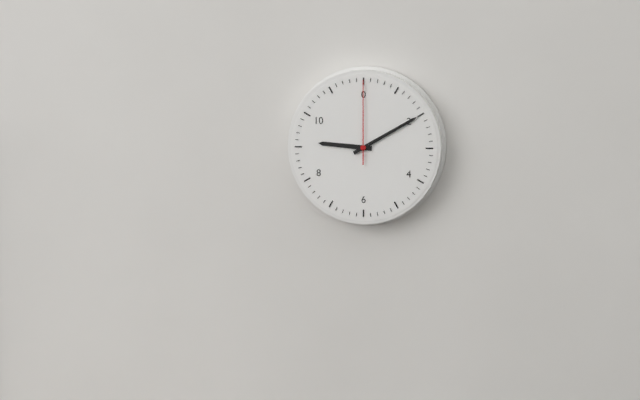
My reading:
h=9 m=10 s=0
